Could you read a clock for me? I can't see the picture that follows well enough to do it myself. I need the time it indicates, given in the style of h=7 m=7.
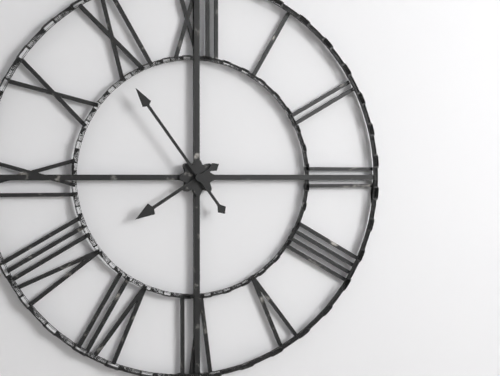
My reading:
h=7 m=54
